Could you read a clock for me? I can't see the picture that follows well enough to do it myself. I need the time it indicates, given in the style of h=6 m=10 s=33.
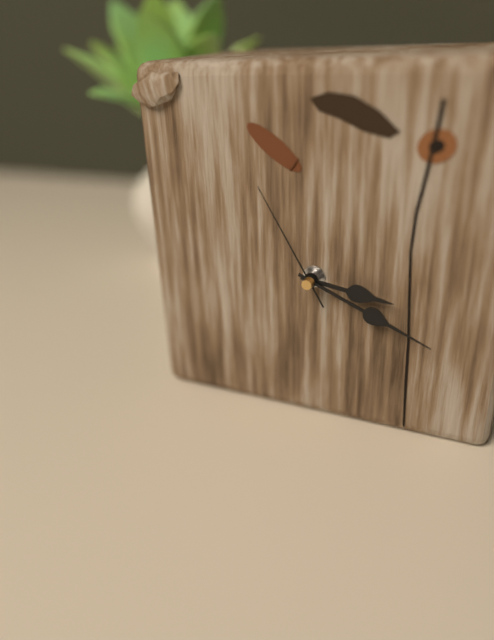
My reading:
h=3 m=19 s=55
